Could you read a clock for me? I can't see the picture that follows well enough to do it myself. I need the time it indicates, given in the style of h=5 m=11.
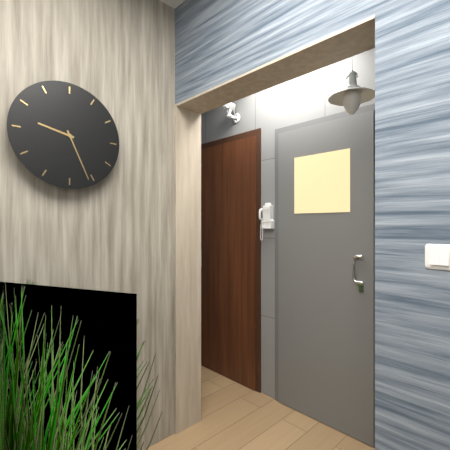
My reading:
h=9 m=26
